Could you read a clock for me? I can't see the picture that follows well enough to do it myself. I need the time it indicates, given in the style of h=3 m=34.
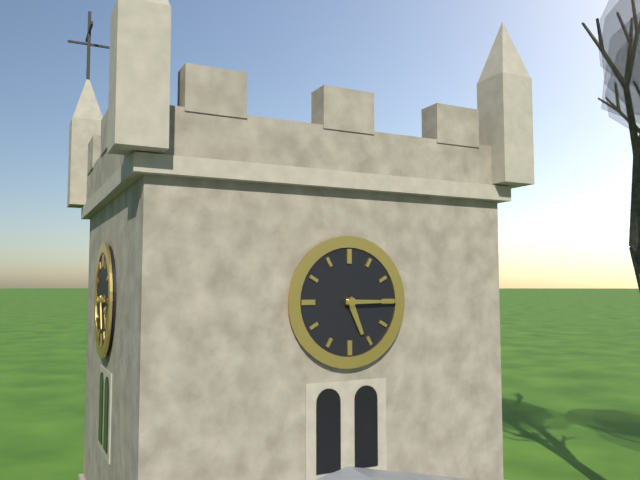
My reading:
h=5 m=15
